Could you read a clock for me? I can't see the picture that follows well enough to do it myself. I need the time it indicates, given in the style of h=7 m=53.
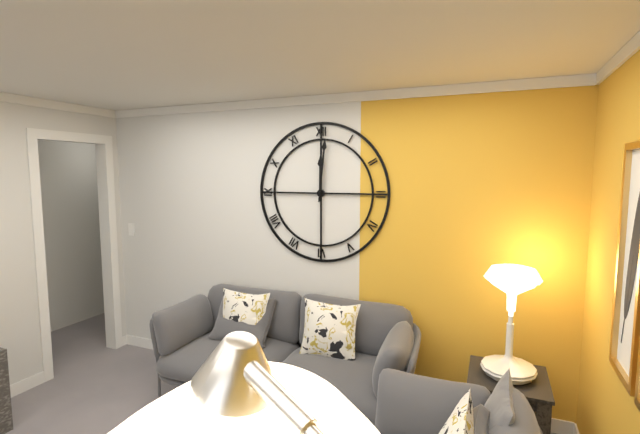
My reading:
h=12 m=1
